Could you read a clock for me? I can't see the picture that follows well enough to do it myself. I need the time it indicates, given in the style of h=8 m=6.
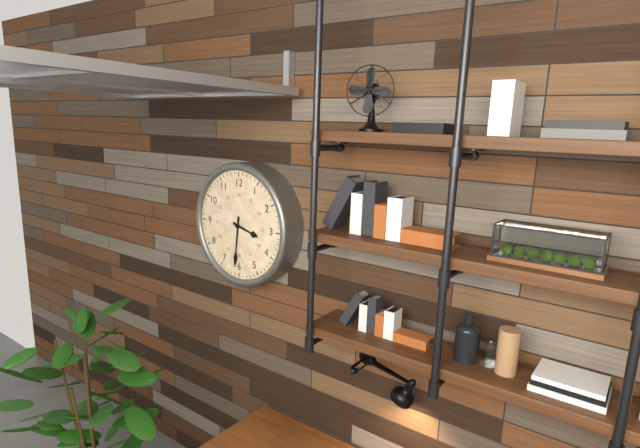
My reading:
h=3 m=31
